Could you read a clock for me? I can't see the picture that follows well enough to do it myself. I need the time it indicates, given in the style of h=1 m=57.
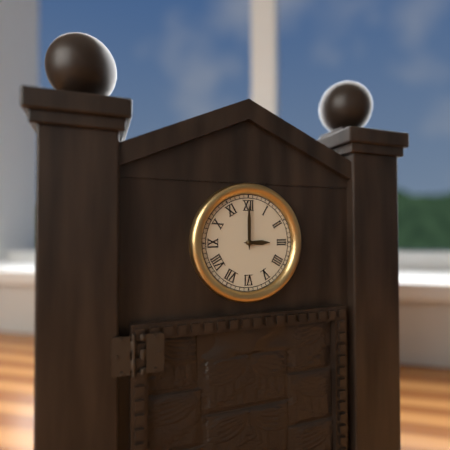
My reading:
h=3 m=0
